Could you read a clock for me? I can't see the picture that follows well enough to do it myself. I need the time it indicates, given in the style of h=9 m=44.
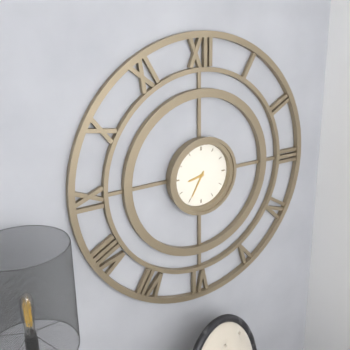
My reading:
h=8 m=35
